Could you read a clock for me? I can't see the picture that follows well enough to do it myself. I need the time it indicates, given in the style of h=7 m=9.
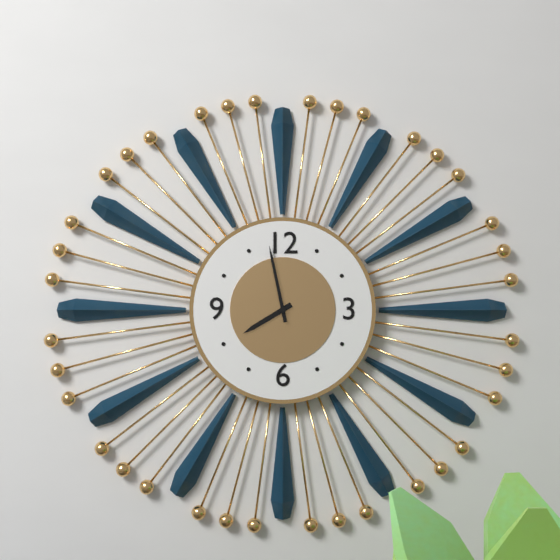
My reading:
h=7 m=58
